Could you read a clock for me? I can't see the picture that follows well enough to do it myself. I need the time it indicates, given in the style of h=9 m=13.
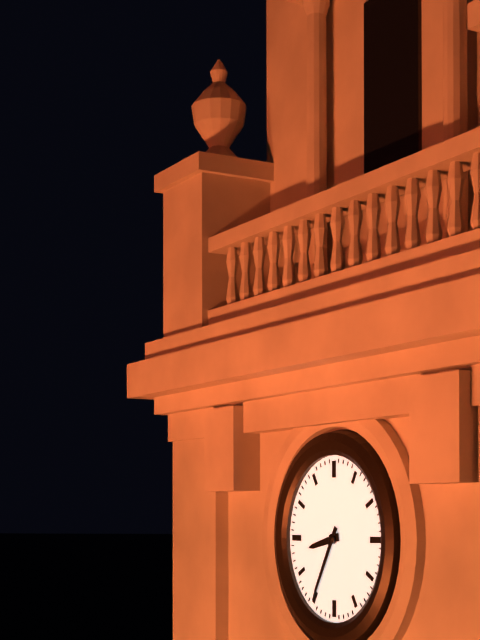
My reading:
h=8 m=35
